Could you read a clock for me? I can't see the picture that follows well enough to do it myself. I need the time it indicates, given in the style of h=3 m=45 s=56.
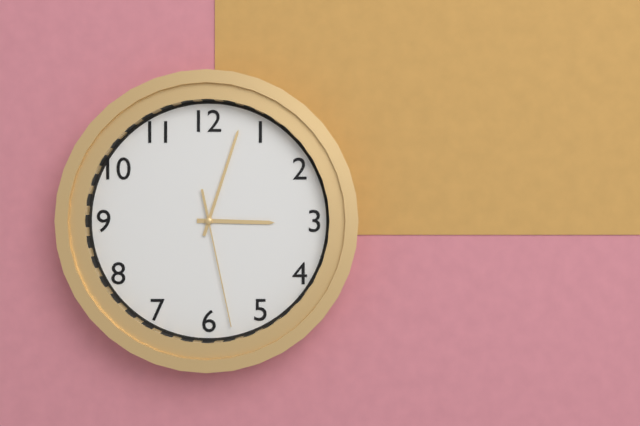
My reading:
h=3 m=3 s=28
